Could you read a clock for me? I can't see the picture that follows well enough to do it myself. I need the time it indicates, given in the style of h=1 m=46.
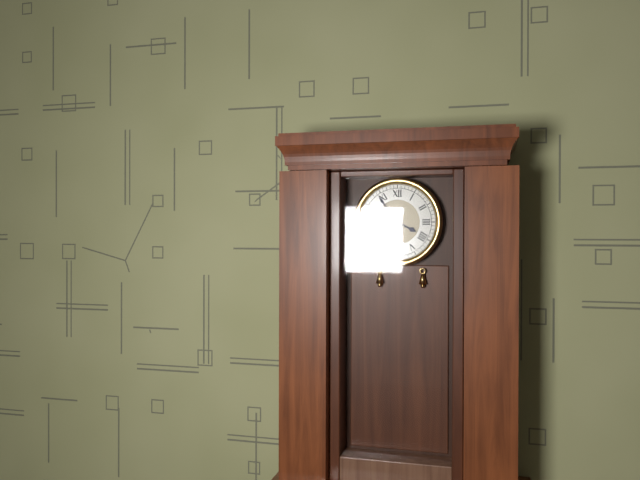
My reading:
h=3 m=54
